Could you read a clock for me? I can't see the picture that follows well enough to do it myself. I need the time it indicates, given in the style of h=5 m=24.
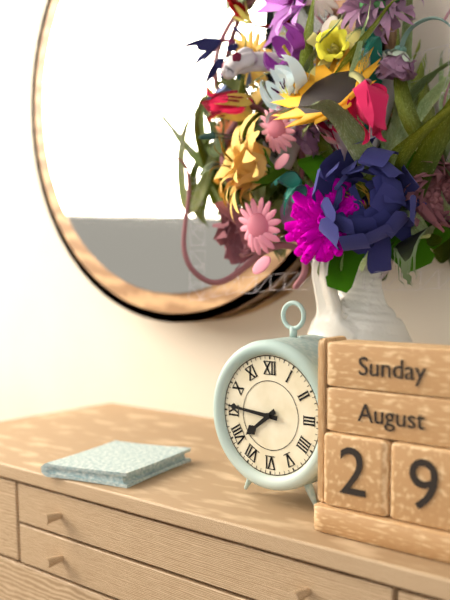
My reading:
h=7 m=46
